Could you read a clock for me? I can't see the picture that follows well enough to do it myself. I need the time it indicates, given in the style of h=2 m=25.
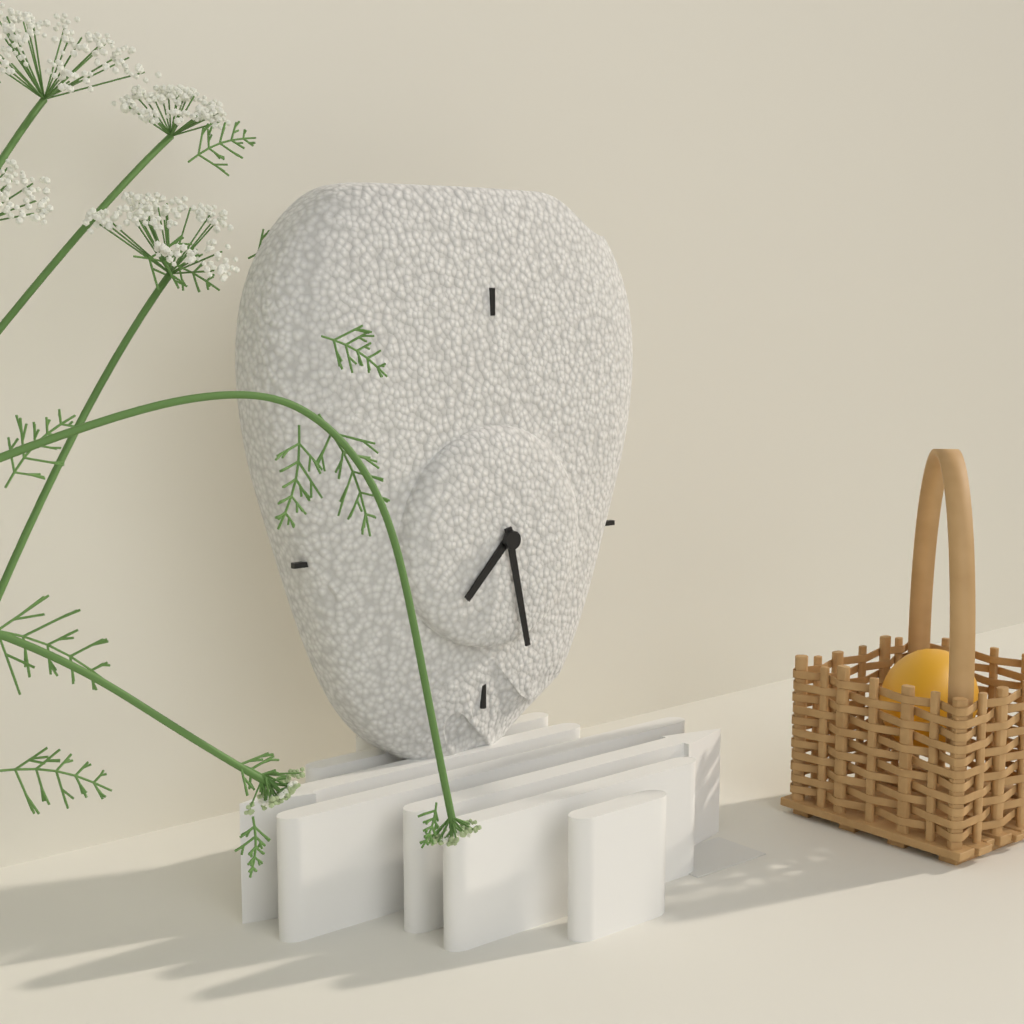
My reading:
h=7 m=28
